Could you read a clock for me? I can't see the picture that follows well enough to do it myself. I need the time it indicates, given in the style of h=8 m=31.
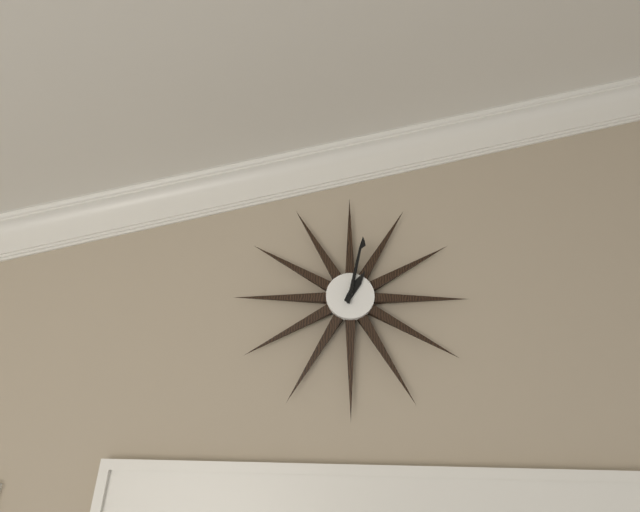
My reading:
h=1 m=2
